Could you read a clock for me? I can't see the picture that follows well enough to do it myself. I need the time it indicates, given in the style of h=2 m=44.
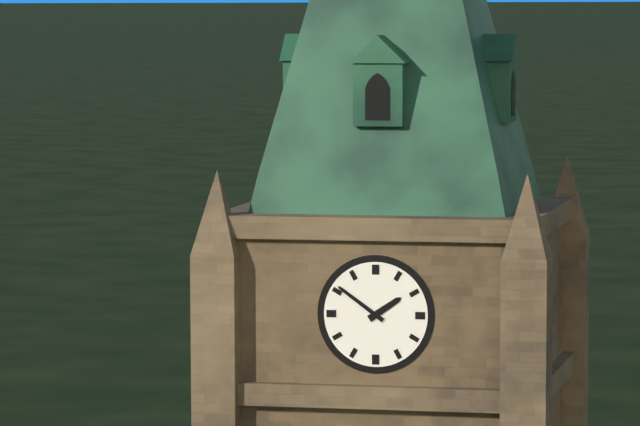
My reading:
h=1 m=51
